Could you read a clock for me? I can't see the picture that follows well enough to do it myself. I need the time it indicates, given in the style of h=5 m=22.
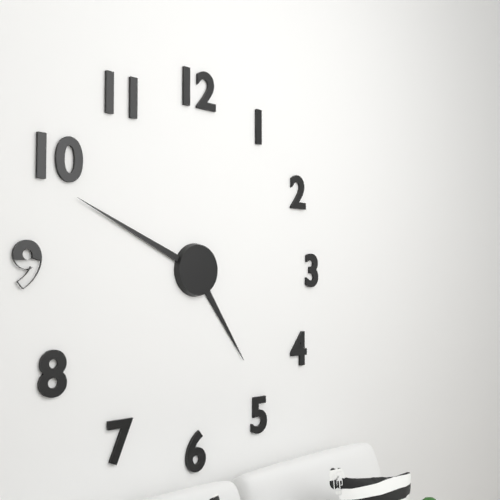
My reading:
h=4 m=49
